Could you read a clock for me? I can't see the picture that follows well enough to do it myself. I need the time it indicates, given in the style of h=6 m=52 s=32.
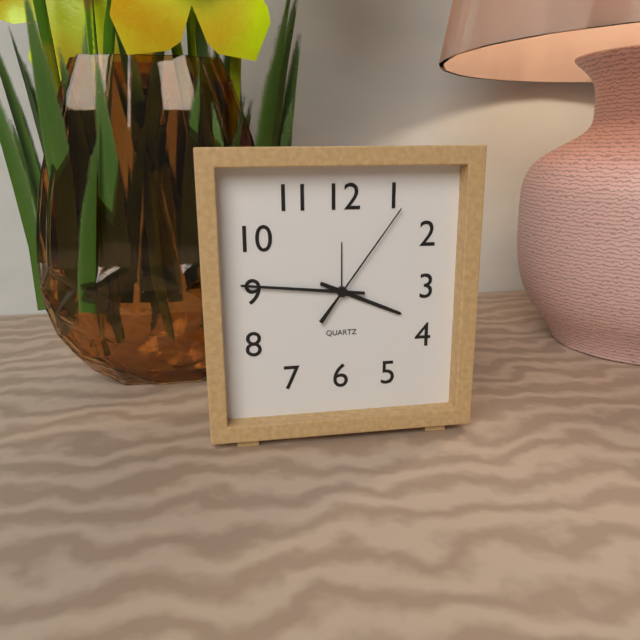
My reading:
h=3 m=46 s=6
